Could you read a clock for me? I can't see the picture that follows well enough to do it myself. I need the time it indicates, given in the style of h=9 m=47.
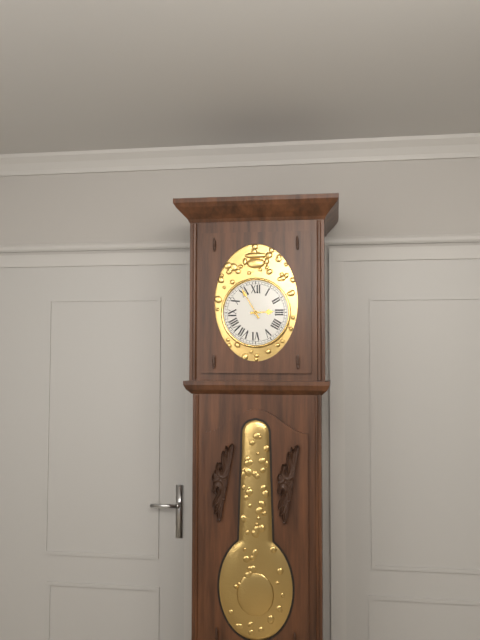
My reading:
h=2 m=55
